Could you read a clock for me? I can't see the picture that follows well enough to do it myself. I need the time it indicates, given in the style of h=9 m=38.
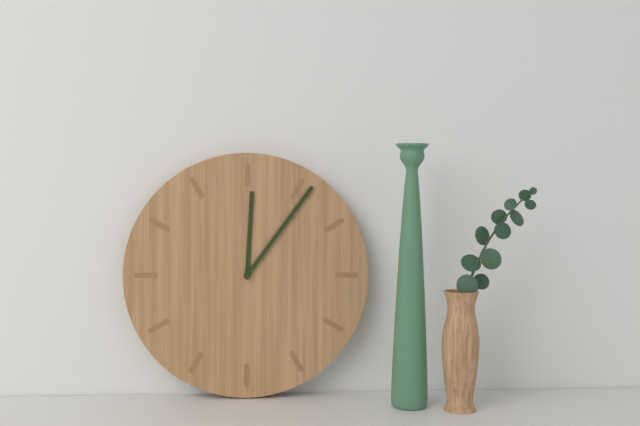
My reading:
h=12 m=6
